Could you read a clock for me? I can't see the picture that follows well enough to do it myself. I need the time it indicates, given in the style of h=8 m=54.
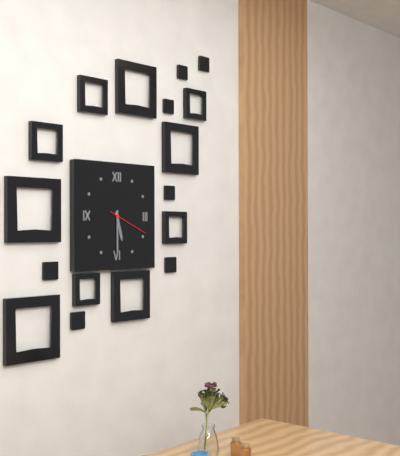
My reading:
h=5 m=30
